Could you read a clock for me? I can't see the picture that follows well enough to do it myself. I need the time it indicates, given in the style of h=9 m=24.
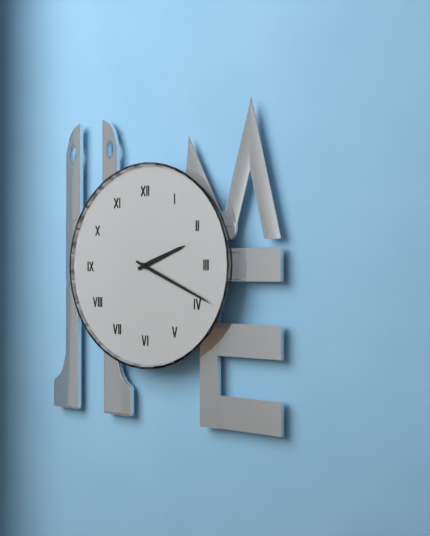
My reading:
h=2 m=19
